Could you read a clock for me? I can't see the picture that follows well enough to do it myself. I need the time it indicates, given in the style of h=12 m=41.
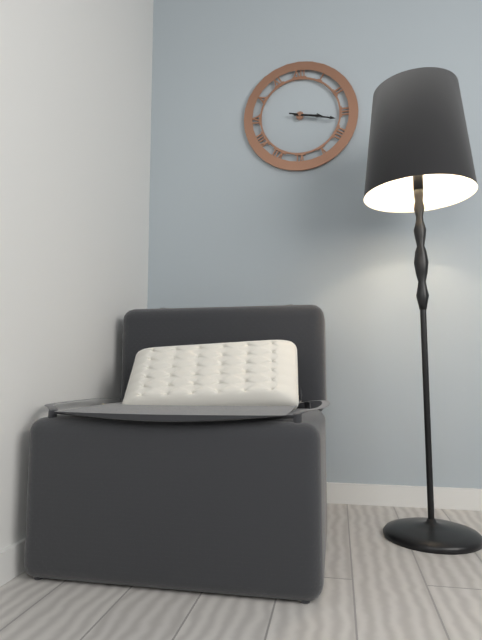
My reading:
h=3 m=17
